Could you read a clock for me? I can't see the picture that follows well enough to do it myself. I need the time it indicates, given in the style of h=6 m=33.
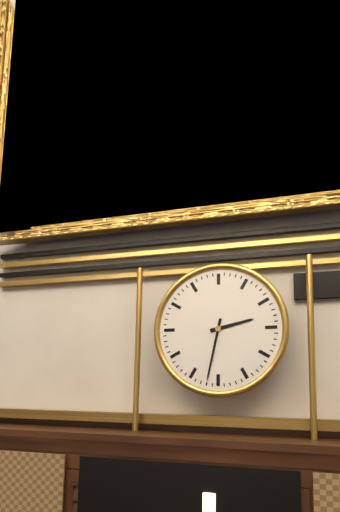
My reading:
h=2 m=32
